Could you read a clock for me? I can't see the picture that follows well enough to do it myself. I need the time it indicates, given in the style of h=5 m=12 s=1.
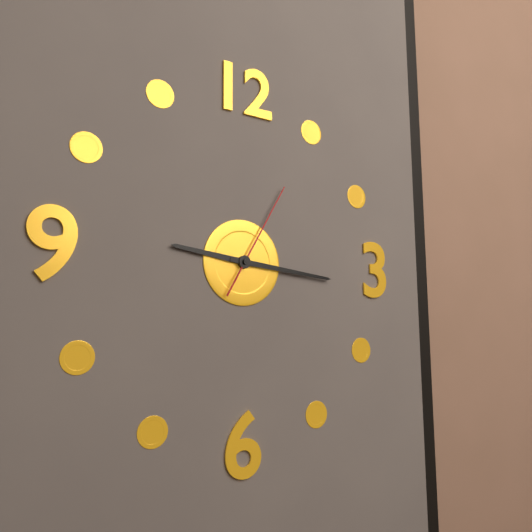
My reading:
h=9 m=16 s=5
